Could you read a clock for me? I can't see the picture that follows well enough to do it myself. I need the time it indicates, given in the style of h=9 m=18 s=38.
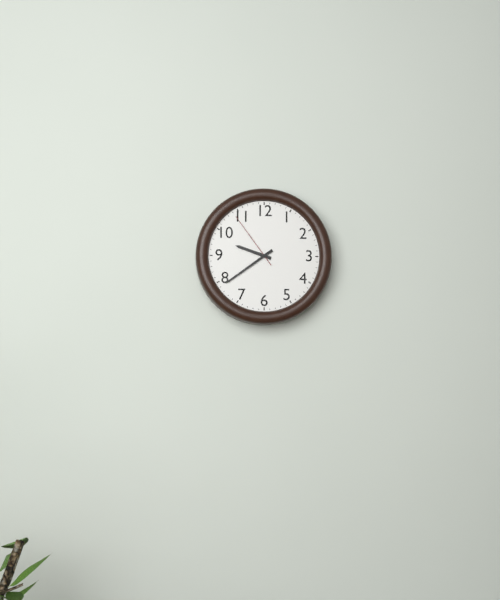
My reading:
h=9 m=39 s=54
